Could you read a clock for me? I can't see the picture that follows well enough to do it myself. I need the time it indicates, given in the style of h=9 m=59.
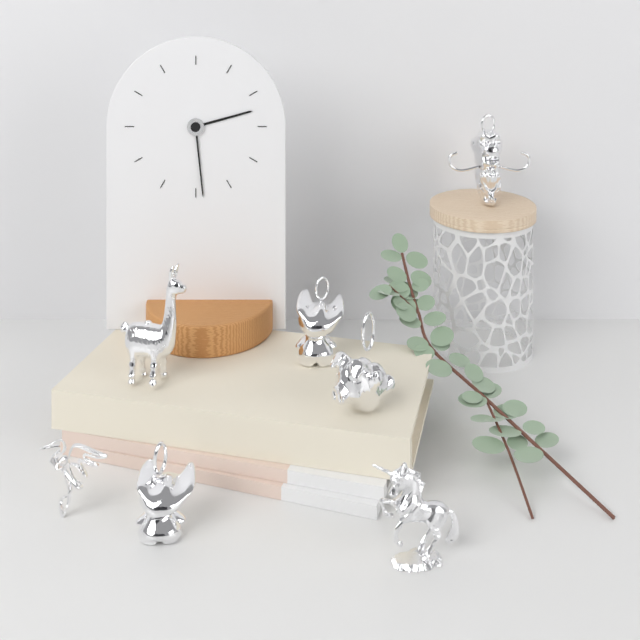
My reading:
h=2 m=29
